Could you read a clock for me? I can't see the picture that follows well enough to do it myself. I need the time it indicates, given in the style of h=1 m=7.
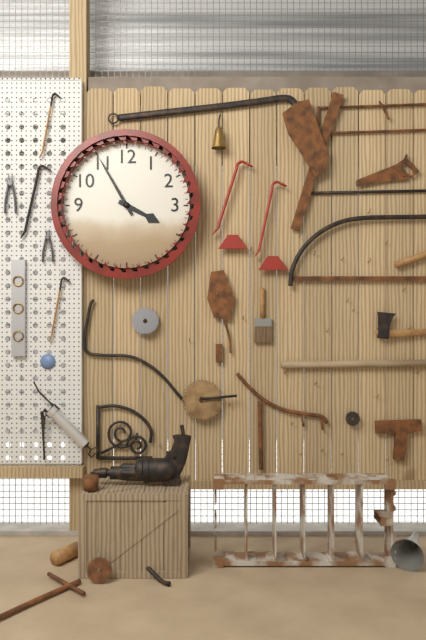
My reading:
h=3 m=55
